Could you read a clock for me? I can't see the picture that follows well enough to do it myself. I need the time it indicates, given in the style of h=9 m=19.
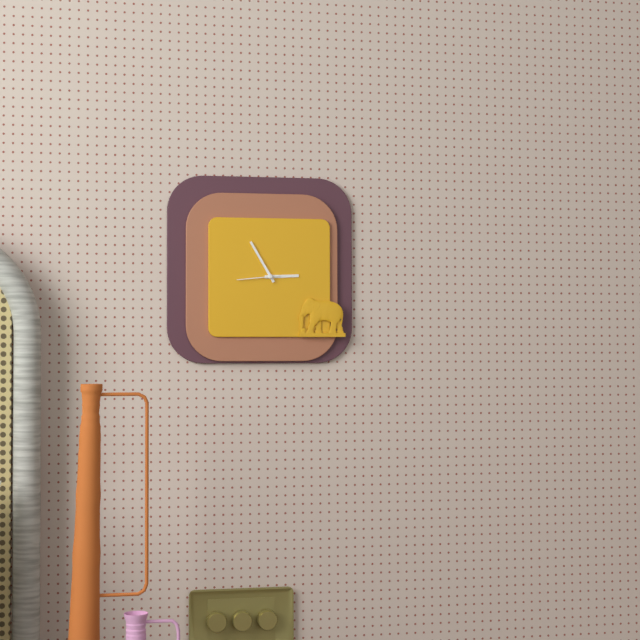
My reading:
h=2 m=55
